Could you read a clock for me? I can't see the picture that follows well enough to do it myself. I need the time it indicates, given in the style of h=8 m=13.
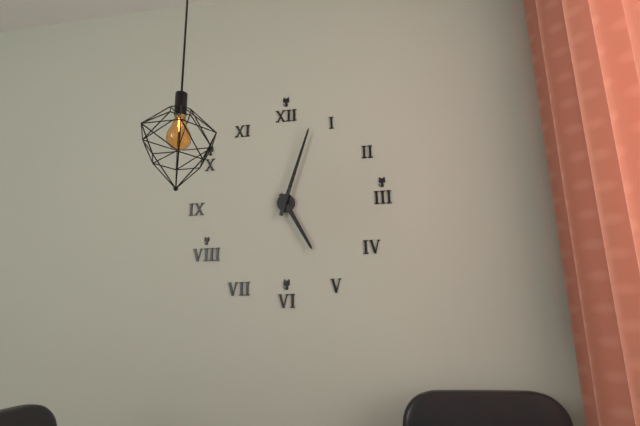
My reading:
h=5 m=3
